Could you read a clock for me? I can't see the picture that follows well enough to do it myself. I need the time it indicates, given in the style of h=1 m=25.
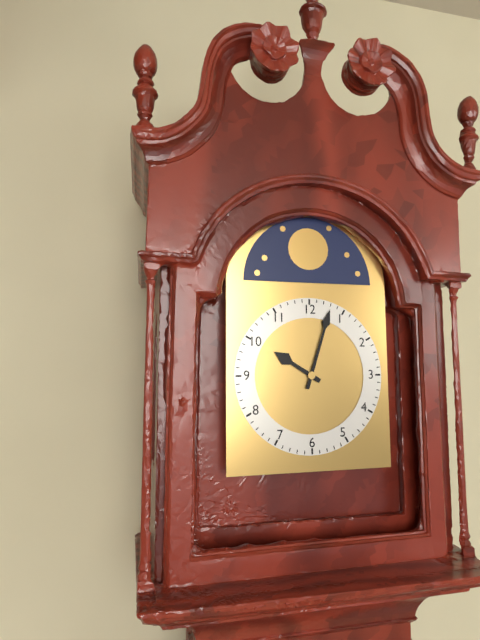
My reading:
h=10 m=3
